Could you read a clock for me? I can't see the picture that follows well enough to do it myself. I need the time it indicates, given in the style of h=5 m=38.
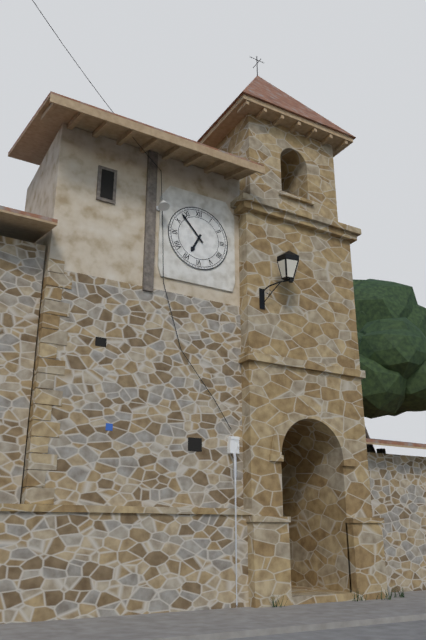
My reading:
h=6 m=53
